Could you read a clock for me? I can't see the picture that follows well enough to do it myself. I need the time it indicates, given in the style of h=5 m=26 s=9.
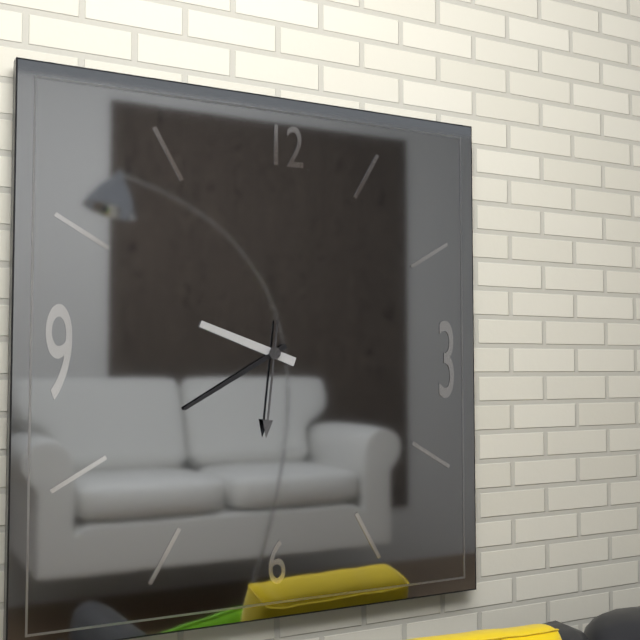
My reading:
h=9 m=40 s=31
